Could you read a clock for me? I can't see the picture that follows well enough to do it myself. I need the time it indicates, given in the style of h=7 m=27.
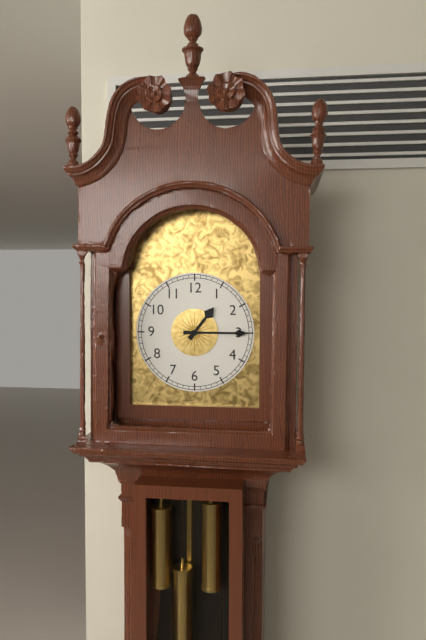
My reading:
h=1 m=15
